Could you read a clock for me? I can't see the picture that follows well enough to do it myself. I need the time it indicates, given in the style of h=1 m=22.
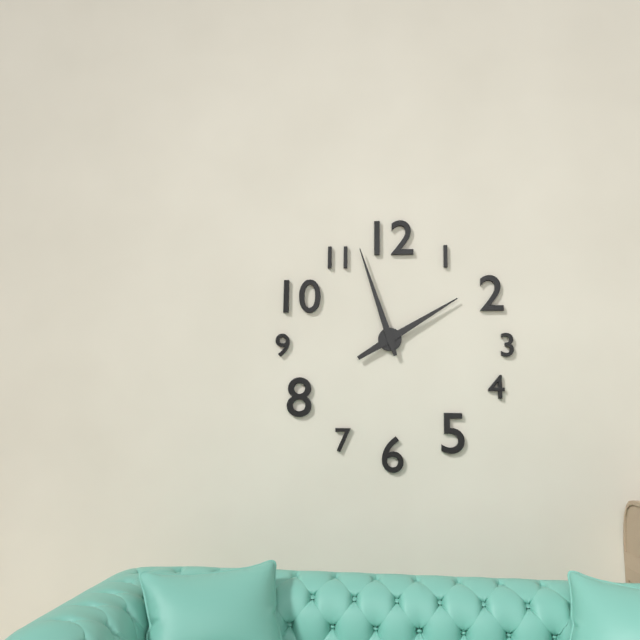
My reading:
h=1 m=57
